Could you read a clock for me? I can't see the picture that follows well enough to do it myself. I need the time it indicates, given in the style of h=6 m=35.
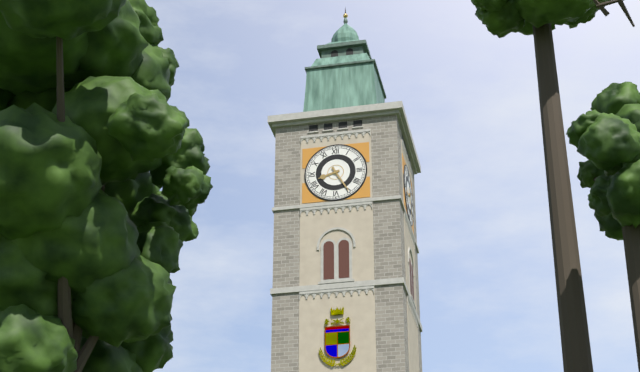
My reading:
h=8 m=25
